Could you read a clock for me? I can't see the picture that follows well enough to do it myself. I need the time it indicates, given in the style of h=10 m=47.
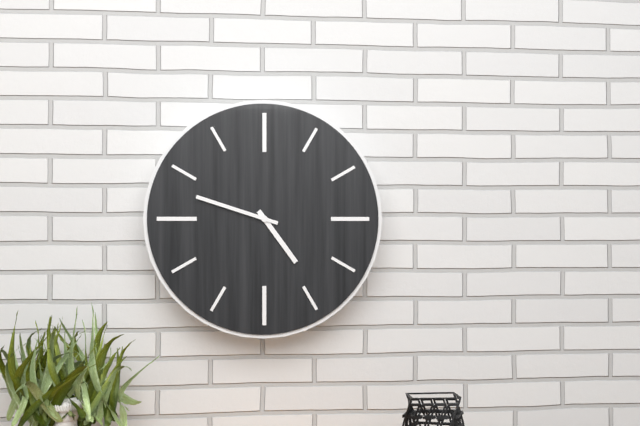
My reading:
h=4 m=48
